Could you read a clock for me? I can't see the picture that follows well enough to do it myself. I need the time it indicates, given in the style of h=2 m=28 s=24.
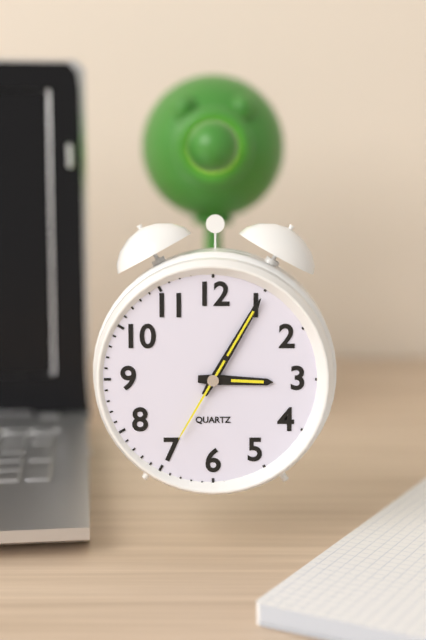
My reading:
h=3 m=5 s=35
